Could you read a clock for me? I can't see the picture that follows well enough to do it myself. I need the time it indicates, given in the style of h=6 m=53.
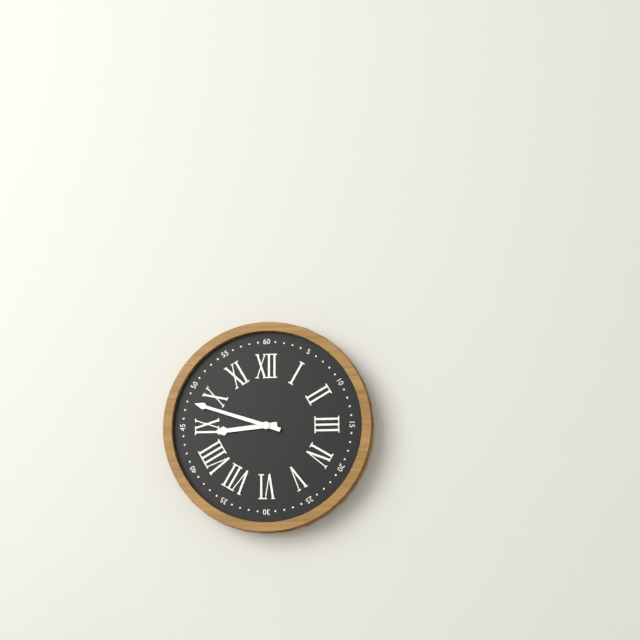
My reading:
h=8 m=48
